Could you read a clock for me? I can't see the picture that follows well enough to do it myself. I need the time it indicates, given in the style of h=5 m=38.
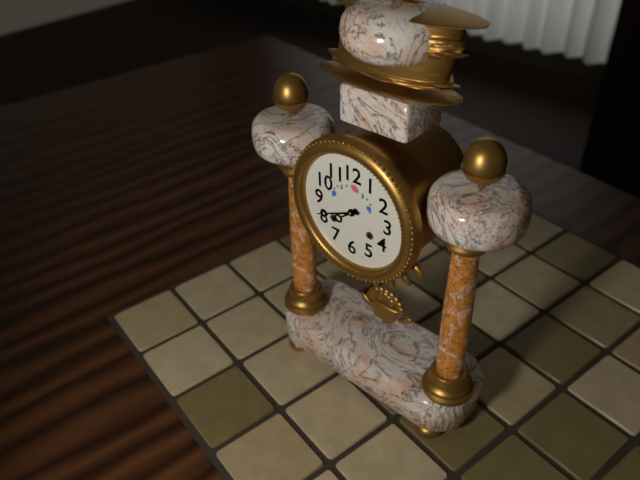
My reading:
h=7 m=41
